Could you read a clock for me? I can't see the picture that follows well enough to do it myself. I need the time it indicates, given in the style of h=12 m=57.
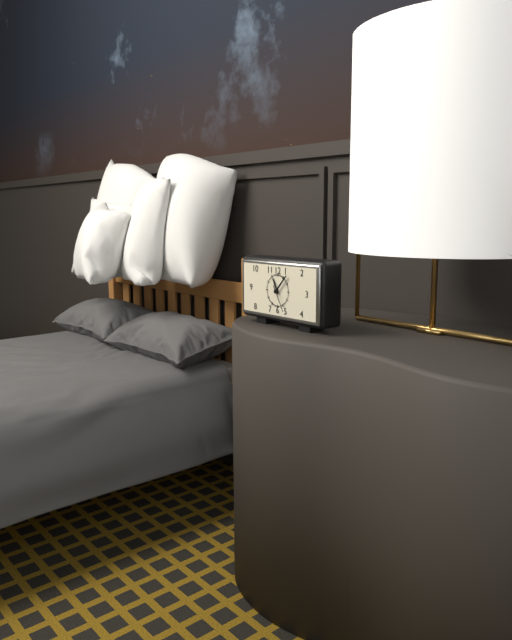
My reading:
h=11 m=7
